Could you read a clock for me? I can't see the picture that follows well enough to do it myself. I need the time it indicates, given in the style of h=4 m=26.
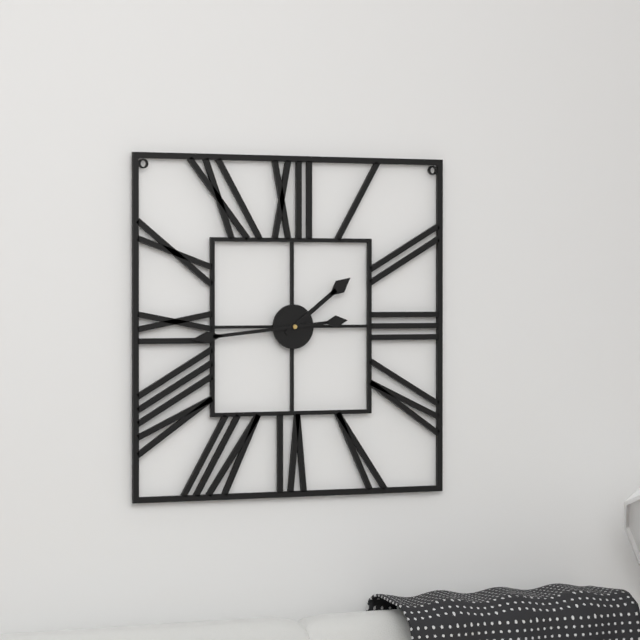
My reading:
h=1 m=44
